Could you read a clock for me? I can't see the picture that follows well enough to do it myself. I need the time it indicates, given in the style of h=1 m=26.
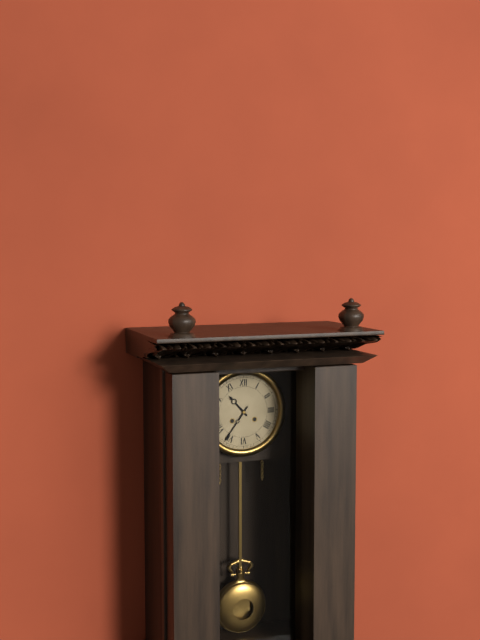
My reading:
h=10 m=36
